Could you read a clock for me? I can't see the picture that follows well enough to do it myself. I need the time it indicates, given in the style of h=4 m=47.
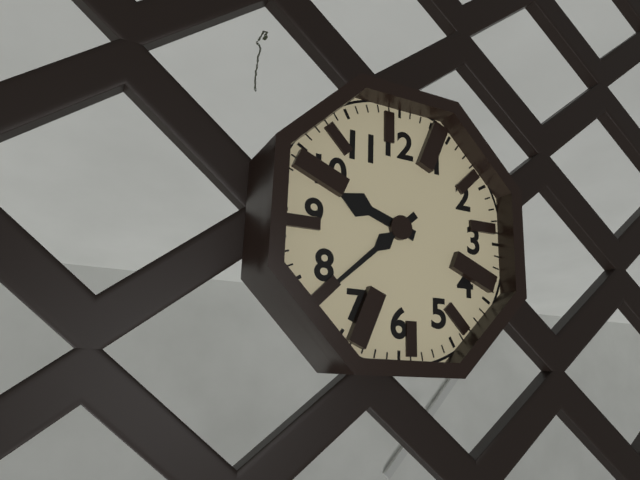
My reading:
h=9 m=38
